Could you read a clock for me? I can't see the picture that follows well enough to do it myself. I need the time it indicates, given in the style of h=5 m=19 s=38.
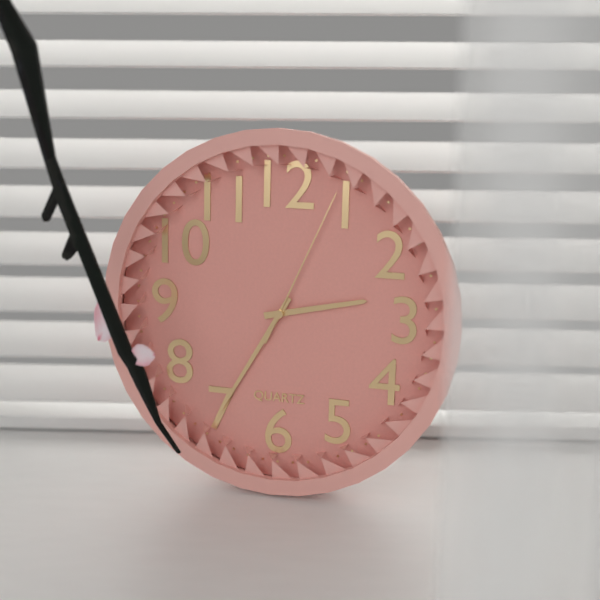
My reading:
h=2 m=35 s=4
